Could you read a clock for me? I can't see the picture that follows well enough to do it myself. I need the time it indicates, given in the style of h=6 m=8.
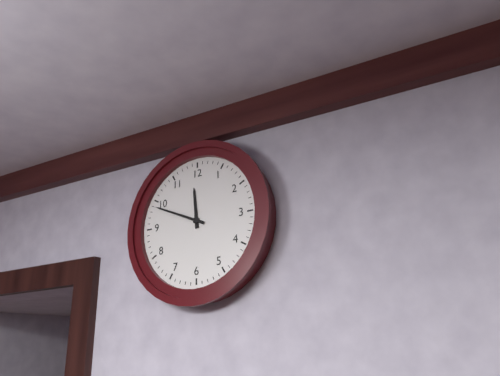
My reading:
h=11 m=49
